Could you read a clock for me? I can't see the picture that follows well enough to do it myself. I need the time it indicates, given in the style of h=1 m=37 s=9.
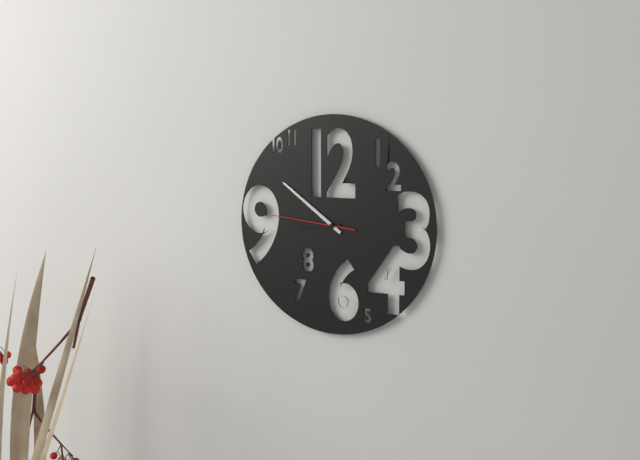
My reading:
h=8 m=51 s=46
